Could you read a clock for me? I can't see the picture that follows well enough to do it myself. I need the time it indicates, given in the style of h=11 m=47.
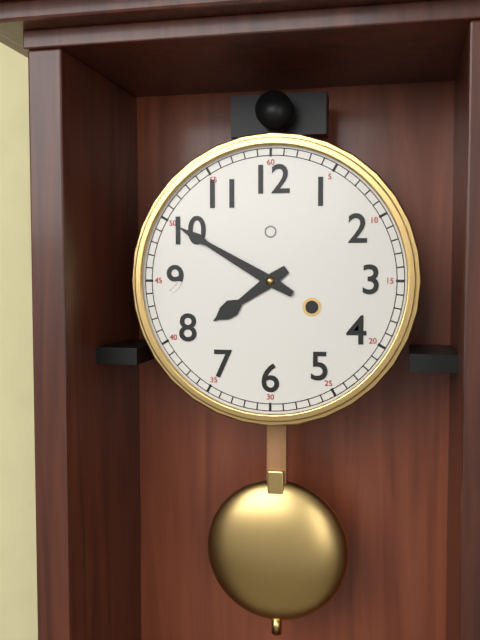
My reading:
h=7 m=50
